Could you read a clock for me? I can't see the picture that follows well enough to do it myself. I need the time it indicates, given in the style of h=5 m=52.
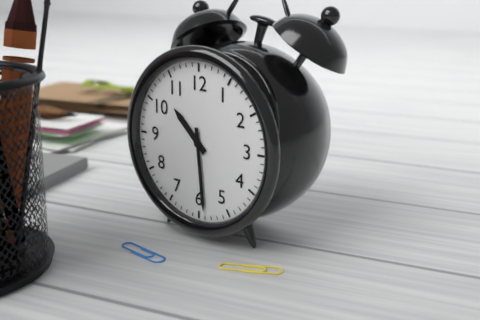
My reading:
h=10 m=29
